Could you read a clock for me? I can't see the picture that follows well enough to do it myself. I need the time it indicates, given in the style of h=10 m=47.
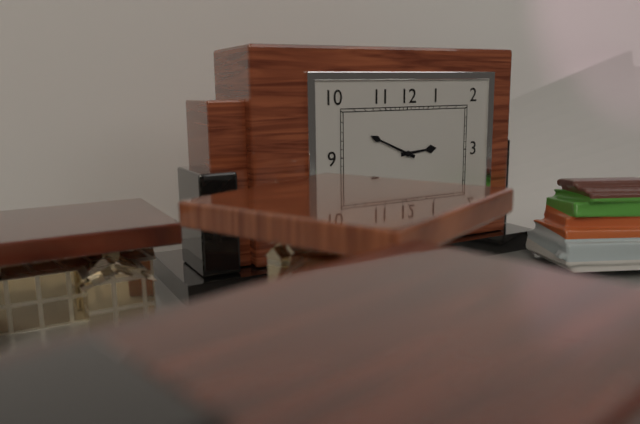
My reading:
h=2 m=49
